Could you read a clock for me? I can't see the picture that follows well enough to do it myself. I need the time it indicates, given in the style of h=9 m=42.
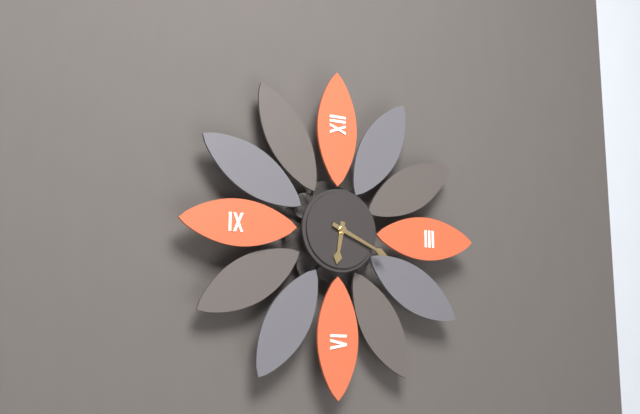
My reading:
h=6 m=19
